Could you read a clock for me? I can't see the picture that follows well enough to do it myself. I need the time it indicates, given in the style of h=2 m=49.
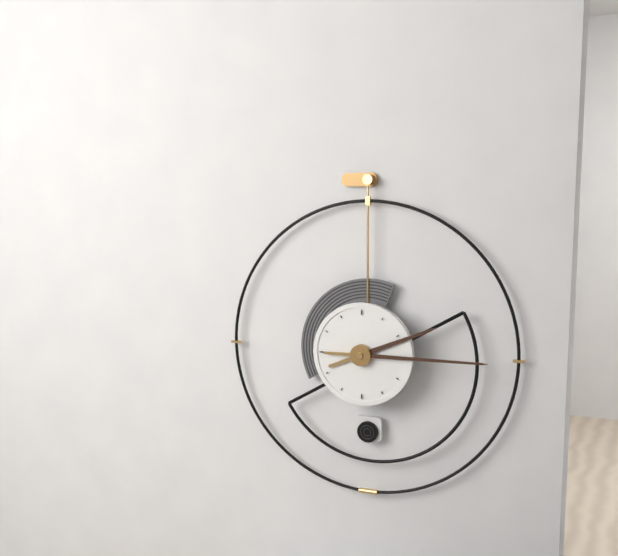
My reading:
h=2 m=15
